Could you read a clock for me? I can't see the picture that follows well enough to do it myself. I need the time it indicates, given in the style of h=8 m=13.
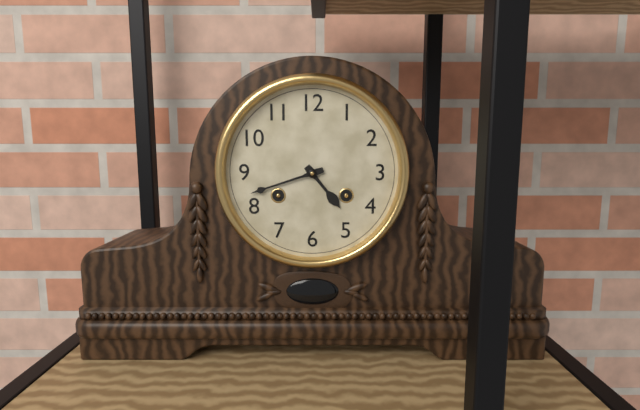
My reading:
h=4 m=42
